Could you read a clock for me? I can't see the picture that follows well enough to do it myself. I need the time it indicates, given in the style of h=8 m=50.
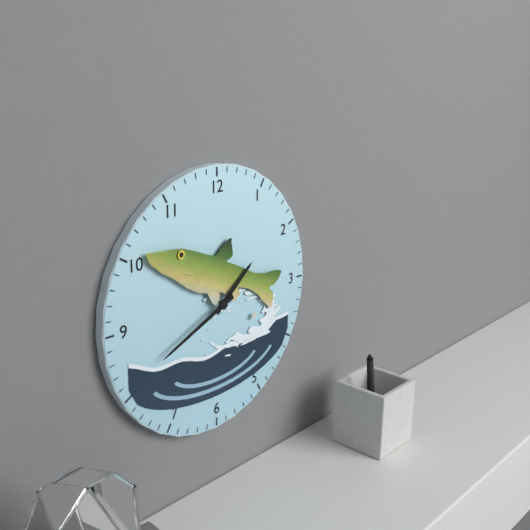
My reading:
h=1 m=41
